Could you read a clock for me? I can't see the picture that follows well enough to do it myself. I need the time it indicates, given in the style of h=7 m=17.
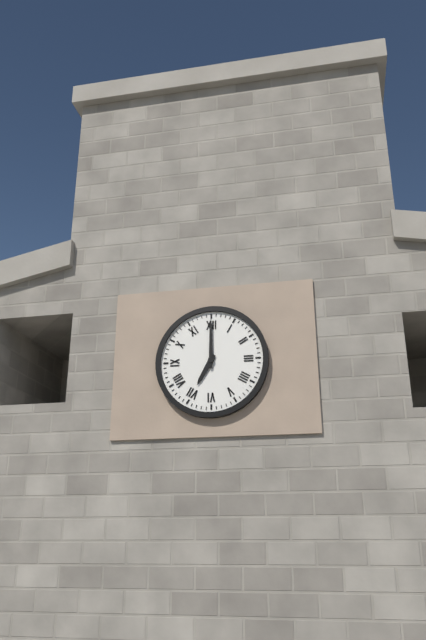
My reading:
h=7 m=0
